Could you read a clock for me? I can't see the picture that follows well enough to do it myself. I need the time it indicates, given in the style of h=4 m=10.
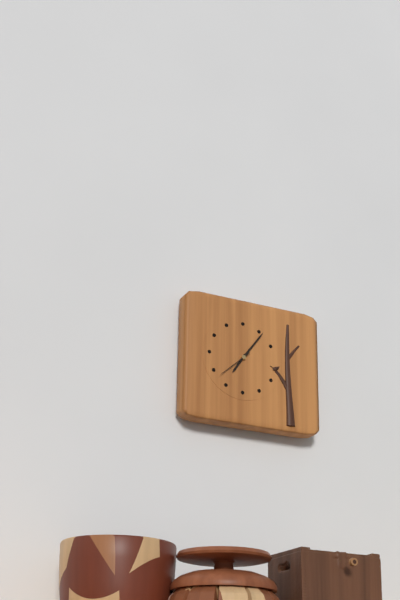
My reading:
h=7 m=6
